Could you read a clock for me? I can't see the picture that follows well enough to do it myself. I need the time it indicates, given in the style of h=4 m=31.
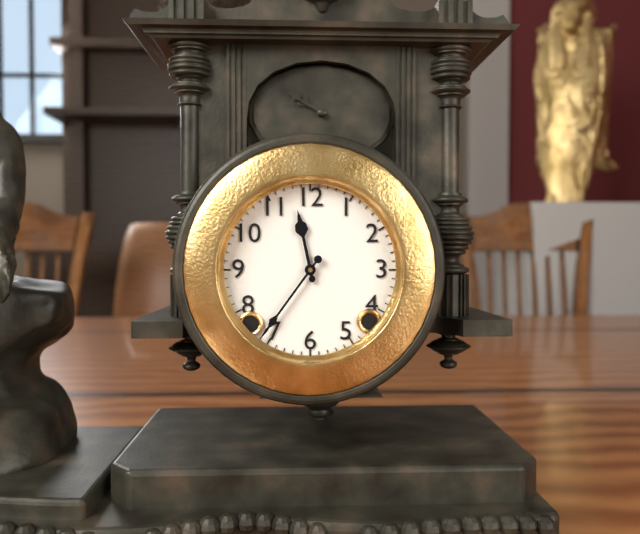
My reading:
h=11 m=36
